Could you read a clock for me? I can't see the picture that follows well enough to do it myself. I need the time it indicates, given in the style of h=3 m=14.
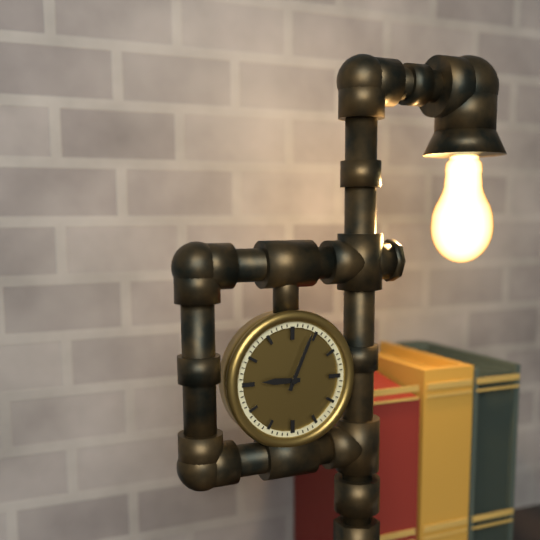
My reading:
h=9 m=4
